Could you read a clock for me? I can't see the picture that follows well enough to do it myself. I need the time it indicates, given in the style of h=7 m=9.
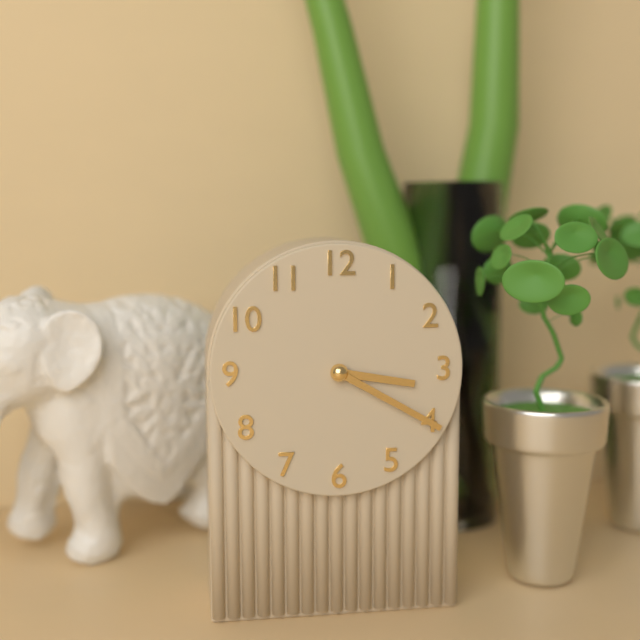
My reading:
h=3 m=20
